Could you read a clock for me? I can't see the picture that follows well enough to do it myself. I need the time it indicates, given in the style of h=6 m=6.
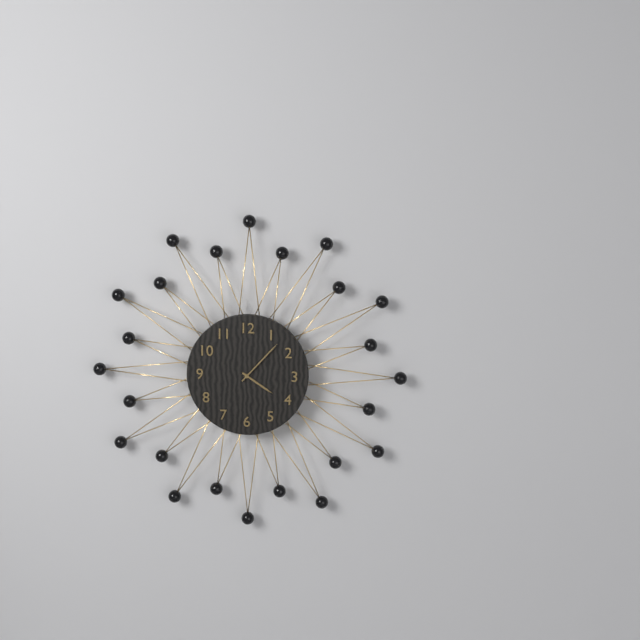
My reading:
h=4 m=7
